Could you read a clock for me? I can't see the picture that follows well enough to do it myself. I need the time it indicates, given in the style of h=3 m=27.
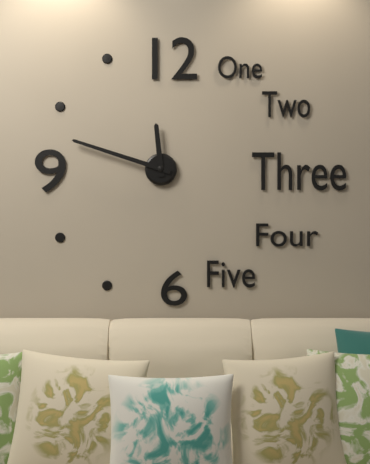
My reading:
h=11 m=48
